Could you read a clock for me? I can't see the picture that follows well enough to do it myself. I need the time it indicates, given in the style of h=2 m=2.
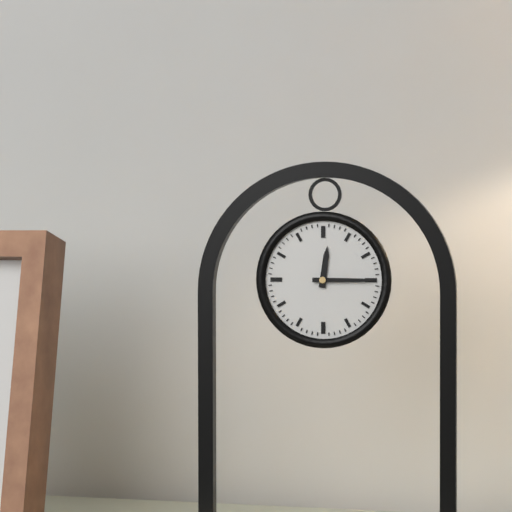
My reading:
h=12 m=15
